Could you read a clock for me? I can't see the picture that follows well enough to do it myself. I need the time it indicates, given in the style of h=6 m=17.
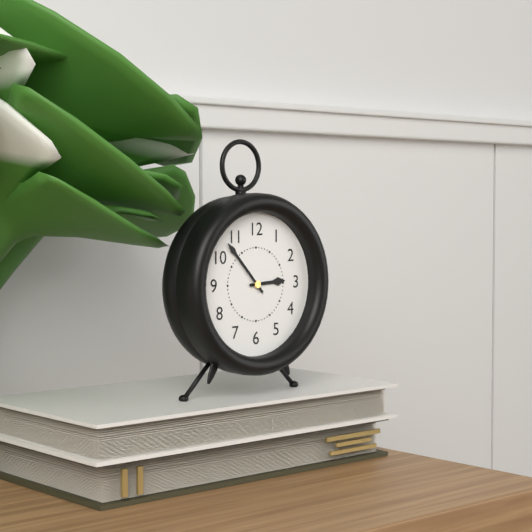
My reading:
h=2 m=53
